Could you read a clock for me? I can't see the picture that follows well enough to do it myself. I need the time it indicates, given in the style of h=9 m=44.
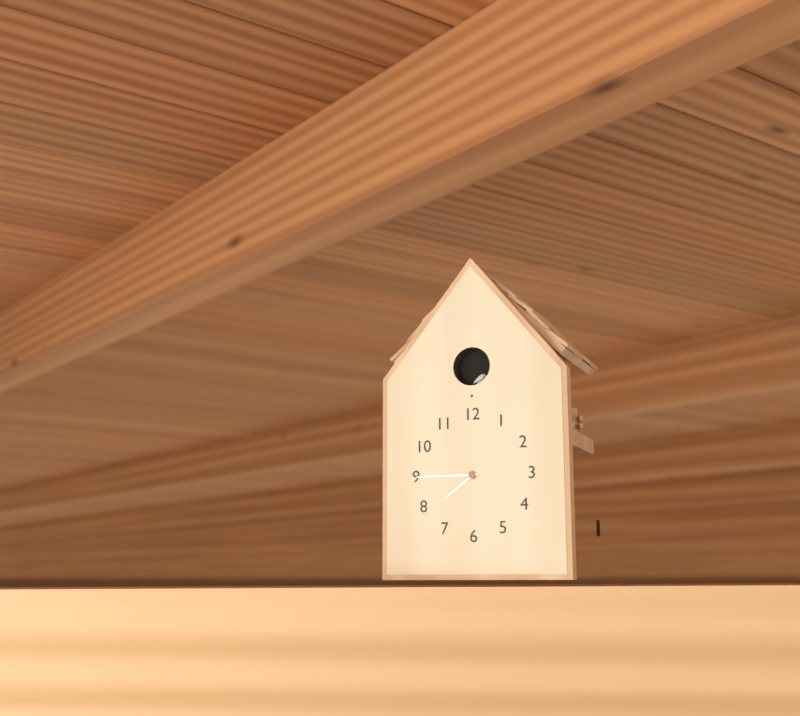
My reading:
h=7 m=45
